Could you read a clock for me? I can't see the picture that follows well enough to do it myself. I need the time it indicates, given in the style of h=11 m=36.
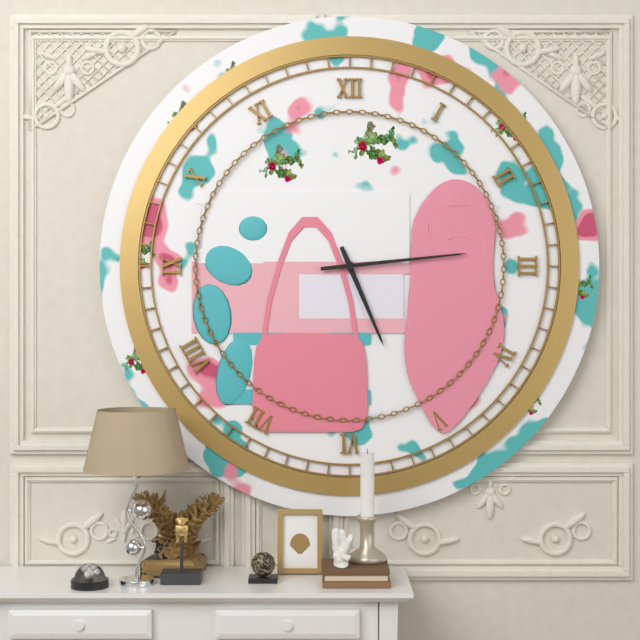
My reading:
h=5 m=14
